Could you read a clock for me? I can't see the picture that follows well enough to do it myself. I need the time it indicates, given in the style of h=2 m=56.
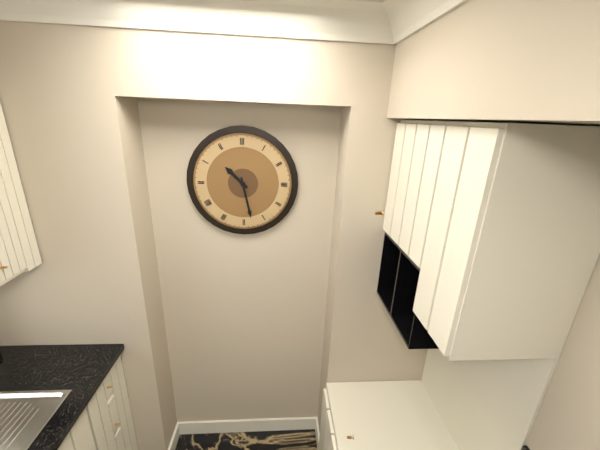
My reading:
h=10 m=28
